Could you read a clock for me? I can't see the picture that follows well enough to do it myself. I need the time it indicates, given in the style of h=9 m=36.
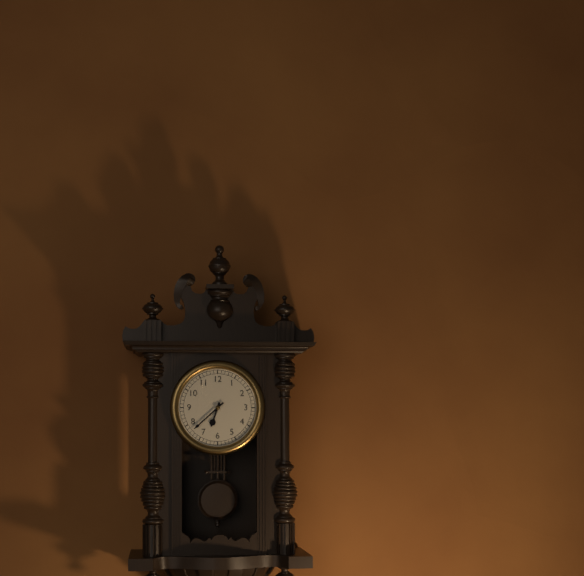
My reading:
h=6 m=38
